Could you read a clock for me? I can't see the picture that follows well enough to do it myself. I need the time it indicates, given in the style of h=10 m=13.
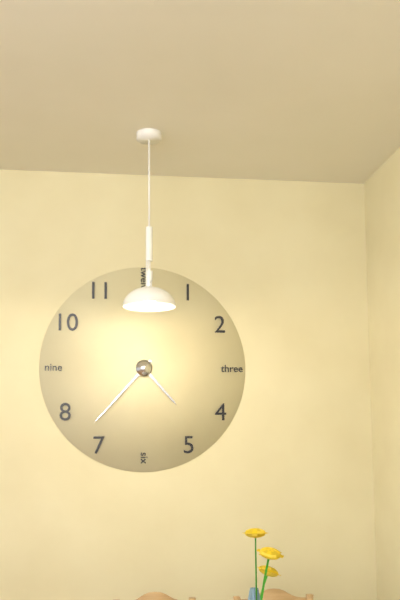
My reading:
h=4 m=37
